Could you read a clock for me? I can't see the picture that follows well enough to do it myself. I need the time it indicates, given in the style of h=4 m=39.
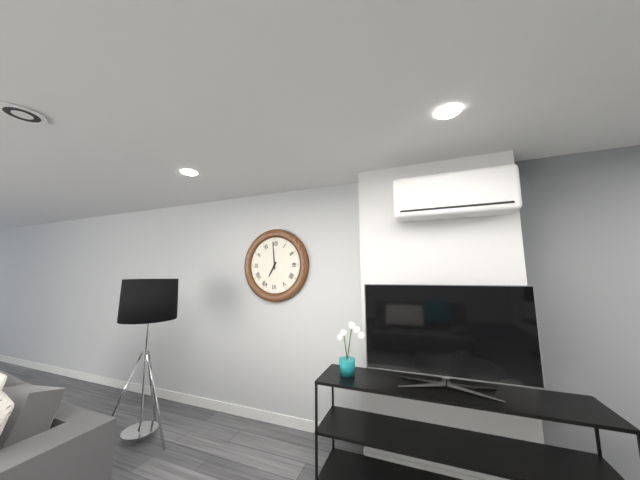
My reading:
h=6 m=59
